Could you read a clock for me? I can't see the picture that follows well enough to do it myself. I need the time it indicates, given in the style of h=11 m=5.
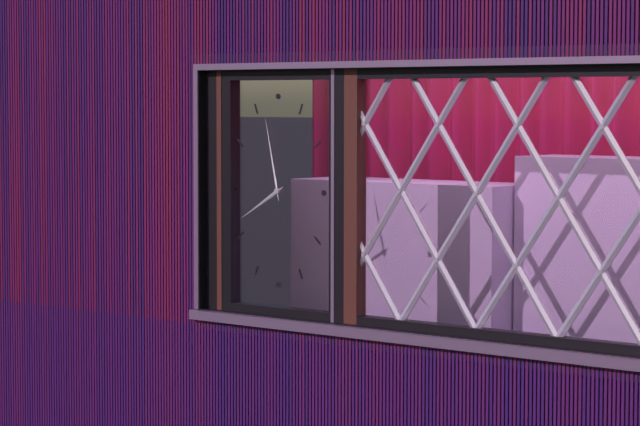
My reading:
h=7 m=58
